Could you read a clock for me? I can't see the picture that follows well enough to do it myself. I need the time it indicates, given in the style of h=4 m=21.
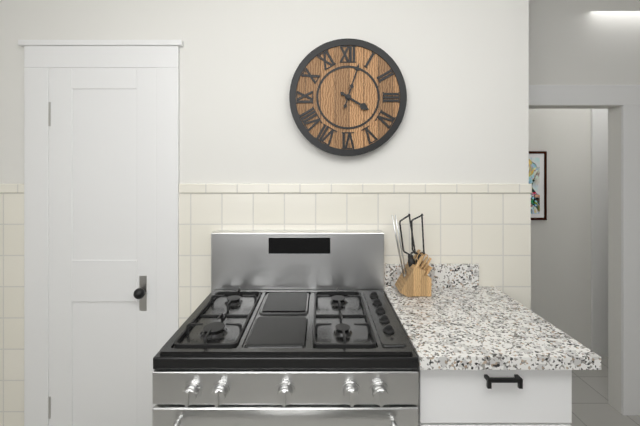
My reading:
h=4 m=3
